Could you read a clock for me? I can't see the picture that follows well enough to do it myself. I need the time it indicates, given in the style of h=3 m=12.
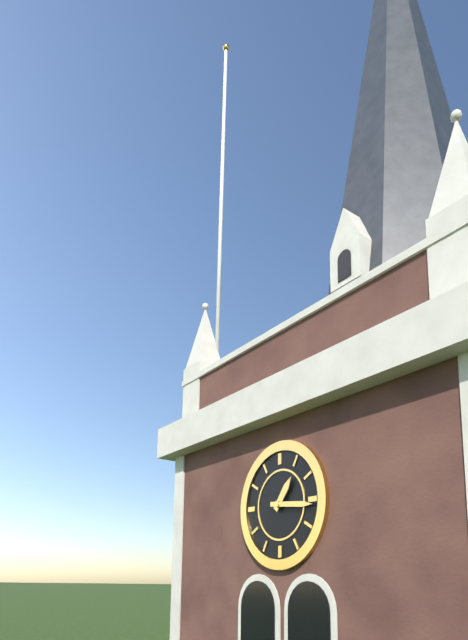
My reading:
h=1 m=16
